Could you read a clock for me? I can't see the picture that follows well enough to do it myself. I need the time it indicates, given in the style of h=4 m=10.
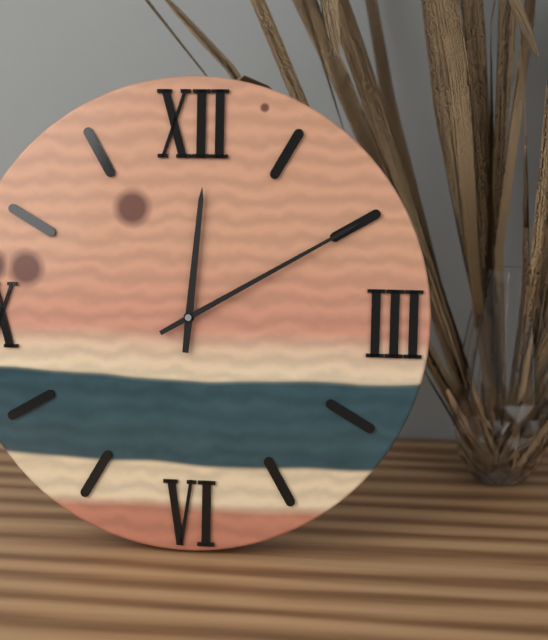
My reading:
h=12 m=10
